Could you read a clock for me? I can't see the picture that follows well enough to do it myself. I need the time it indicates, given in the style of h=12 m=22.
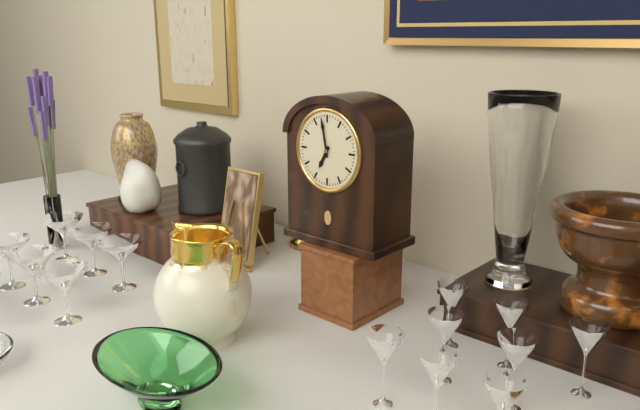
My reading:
h=6 m=58
